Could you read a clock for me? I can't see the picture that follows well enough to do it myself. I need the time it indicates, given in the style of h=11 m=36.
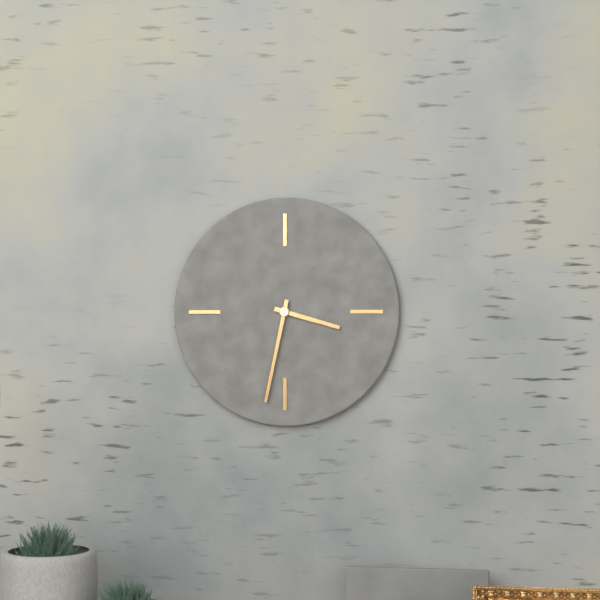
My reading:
h=3 m=32
